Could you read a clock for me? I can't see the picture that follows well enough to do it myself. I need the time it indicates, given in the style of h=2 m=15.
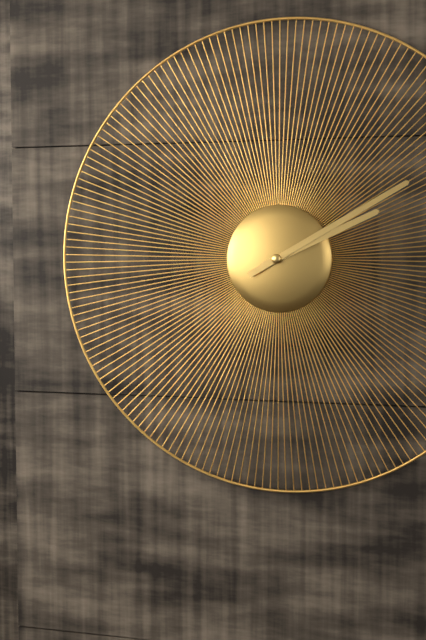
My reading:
h=2 m=10
